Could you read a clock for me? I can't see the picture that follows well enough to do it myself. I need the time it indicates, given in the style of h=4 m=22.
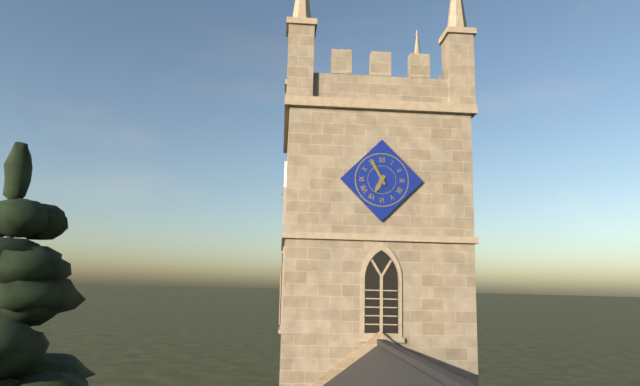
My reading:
h=6 m=55
